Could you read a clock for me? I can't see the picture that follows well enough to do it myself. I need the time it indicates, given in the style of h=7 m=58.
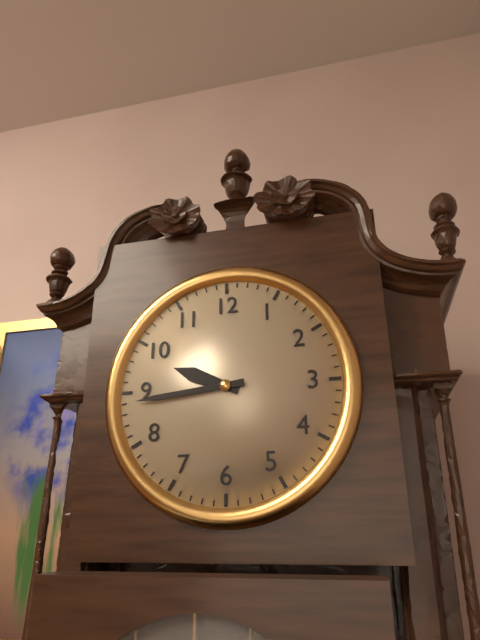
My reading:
h=9 m=44
